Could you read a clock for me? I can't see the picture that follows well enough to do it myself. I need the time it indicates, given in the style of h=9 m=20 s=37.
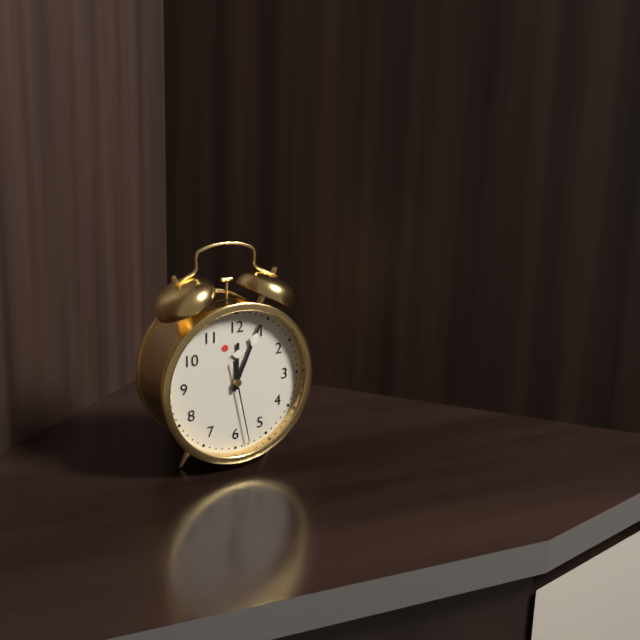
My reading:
h=12 m=4 s=28
